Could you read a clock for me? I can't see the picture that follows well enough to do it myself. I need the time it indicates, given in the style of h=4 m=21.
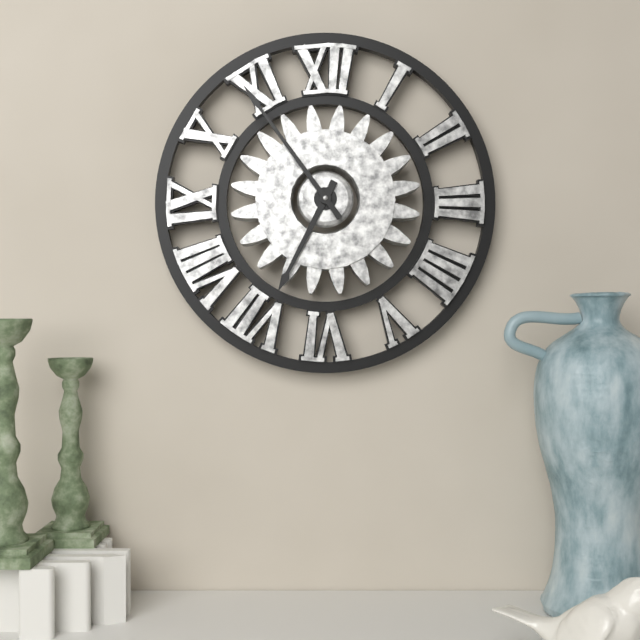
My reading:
h=6 m=54
